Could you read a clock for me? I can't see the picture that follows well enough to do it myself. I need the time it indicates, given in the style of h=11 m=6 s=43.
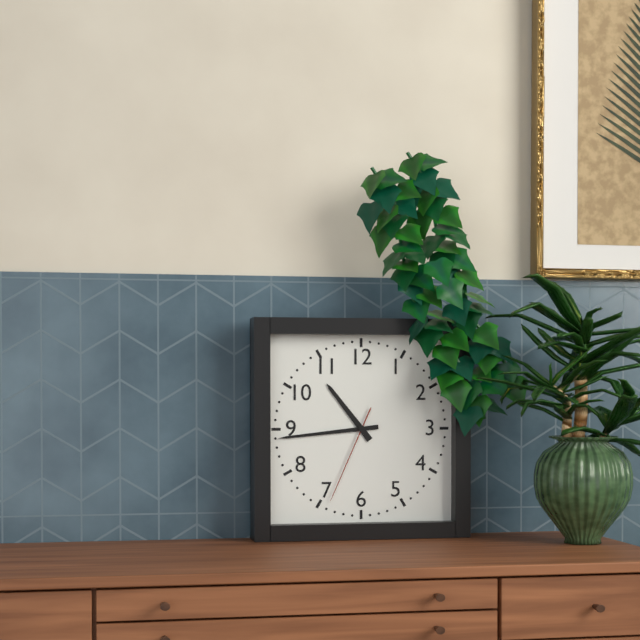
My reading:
h=10 m=44 s=34
